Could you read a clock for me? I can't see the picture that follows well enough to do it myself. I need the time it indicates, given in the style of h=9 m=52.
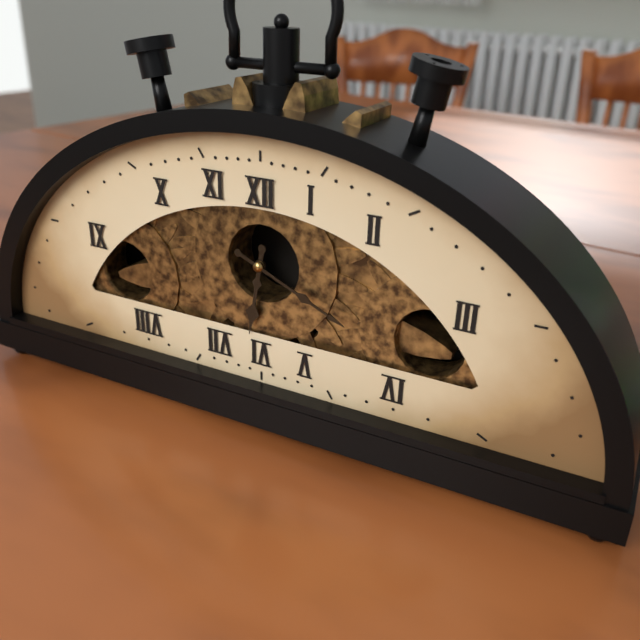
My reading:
h=6 m=19
